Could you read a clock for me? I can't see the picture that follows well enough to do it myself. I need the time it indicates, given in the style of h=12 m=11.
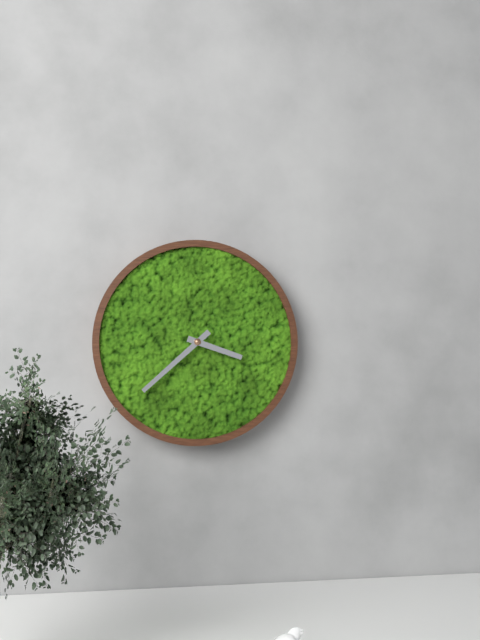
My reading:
h=3 m=38
